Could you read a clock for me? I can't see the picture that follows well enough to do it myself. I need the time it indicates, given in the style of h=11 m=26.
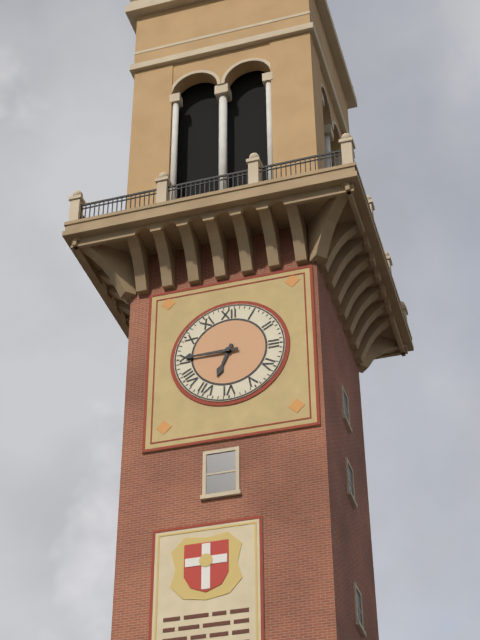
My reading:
h=6 m=45
